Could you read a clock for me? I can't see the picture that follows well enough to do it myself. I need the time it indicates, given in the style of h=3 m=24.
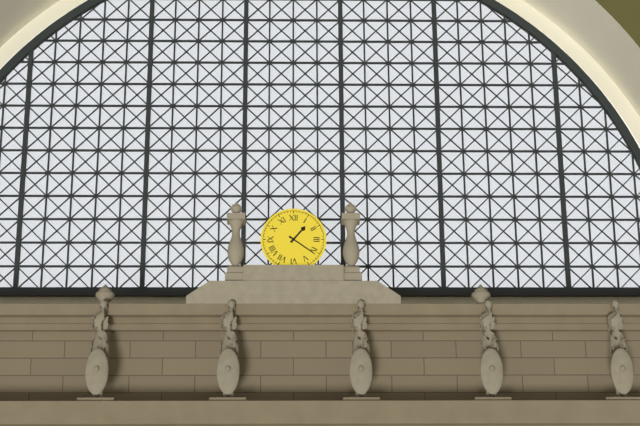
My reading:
h=1 m=21
